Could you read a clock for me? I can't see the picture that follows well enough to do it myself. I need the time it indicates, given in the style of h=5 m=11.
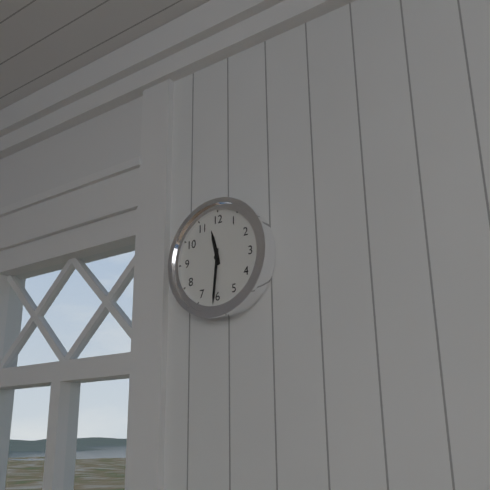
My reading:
h=11 m=31
